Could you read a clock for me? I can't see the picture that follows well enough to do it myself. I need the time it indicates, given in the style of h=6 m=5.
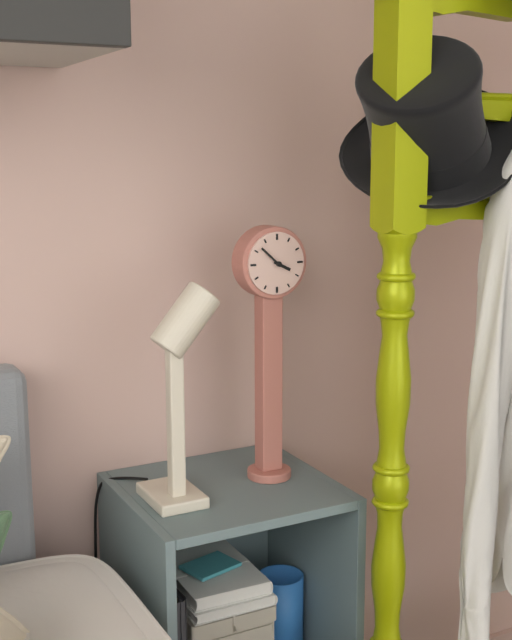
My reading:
h=3 m=52
